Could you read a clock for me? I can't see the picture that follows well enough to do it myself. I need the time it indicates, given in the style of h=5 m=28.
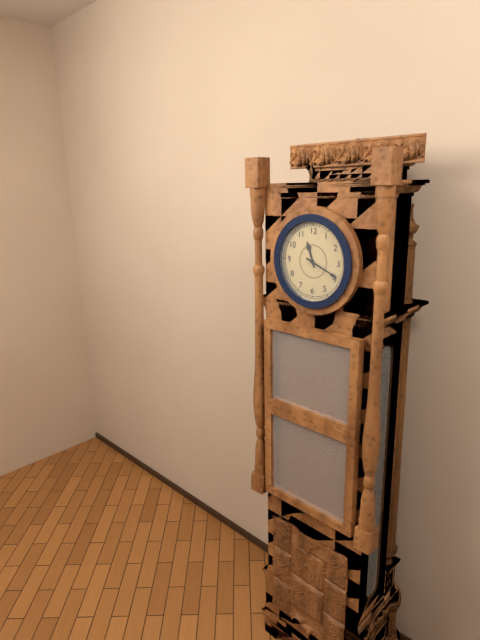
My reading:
h=11 m=19
